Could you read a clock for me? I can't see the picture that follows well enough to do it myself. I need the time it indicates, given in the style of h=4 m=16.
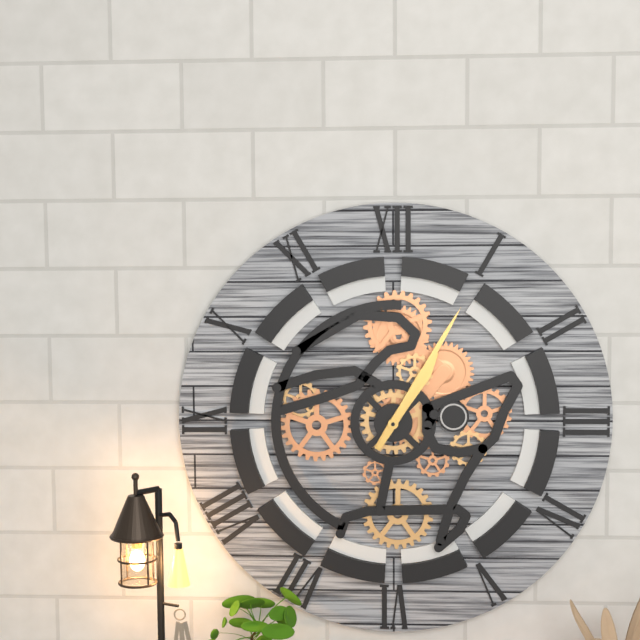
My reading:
h=1 m=5
